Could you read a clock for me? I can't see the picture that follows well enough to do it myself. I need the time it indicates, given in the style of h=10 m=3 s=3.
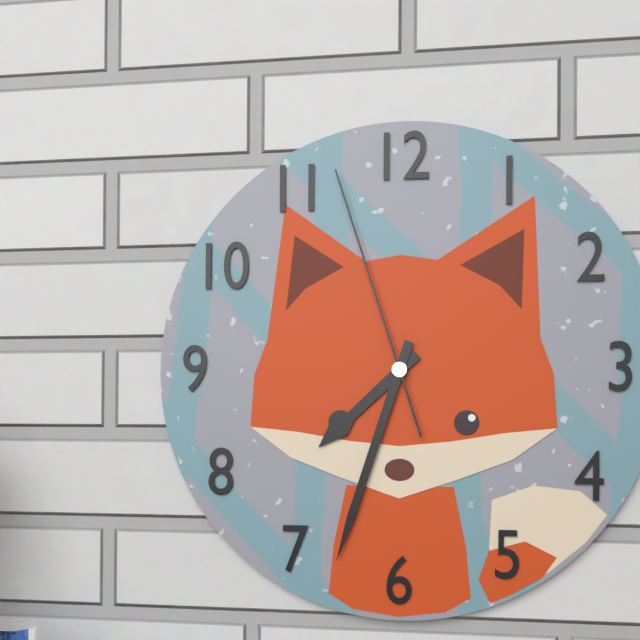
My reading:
h=7 m=33 s=57
